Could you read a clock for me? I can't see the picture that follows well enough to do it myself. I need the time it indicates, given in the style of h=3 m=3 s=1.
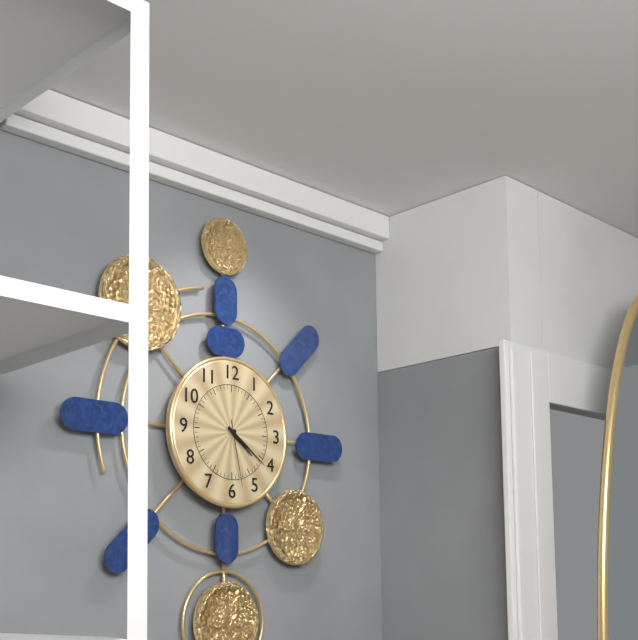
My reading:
h=4 m=21 s=28
